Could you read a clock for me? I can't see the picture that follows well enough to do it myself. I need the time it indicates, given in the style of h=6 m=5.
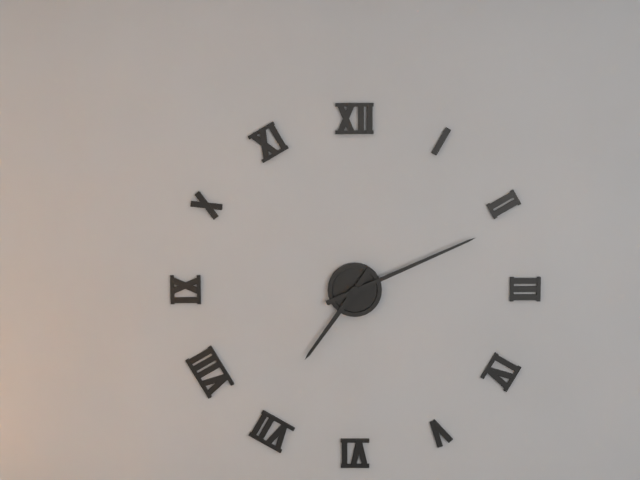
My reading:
h=7 m=11
